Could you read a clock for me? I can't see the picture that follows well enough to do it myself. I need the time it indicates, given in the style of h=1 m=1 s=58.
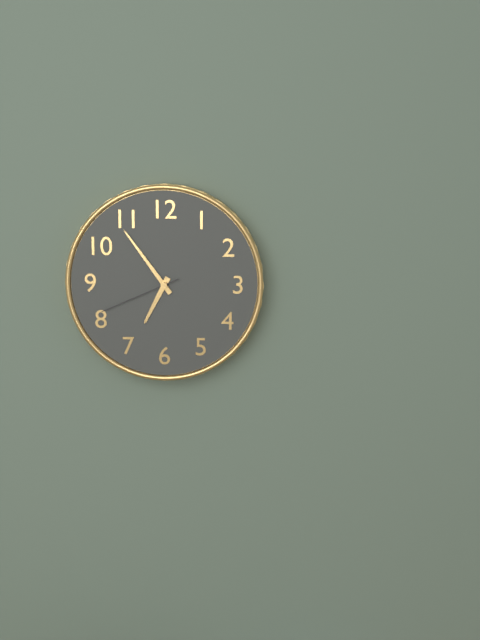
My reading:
h=6 m=54 s=41
